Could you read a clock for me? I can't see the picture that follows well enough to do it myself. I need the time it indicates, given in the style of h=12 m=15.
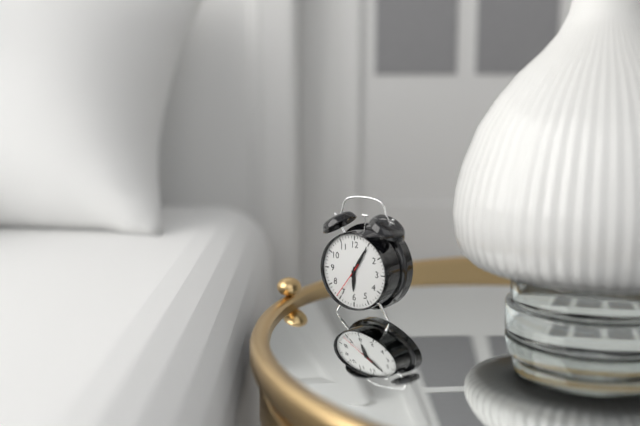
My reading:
h=6 m=5
